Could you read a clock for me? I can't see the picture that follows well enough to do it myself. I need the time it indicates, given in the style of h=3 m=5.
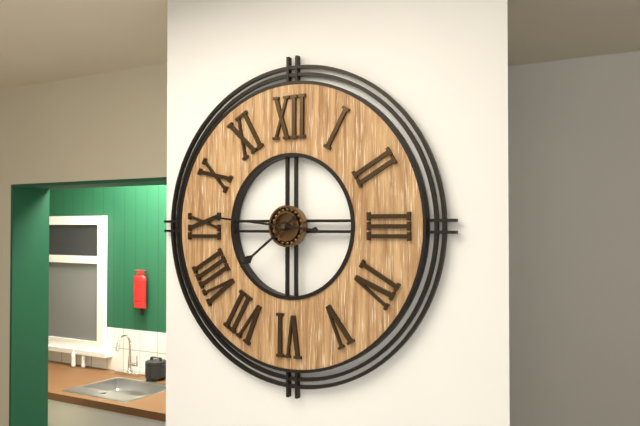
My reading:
h=7 m=46
